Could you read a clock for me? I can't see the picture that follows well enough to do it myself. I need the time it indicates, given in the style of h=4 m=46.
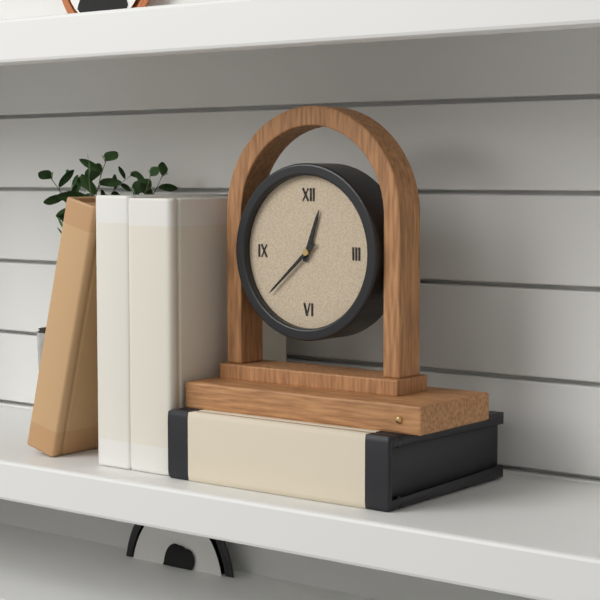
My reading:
h=12 m=38
